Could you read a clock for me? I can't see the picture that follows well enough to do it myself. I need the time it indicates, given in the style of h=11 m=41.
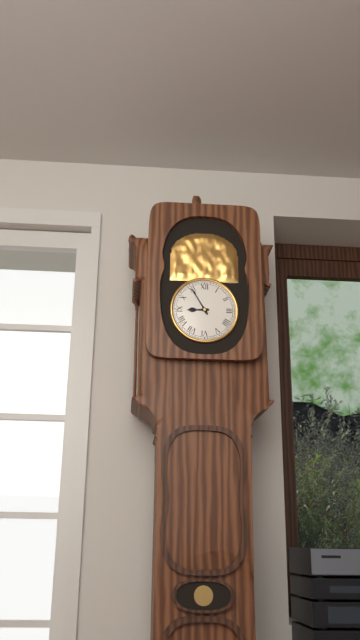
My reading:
h=8 m=55
